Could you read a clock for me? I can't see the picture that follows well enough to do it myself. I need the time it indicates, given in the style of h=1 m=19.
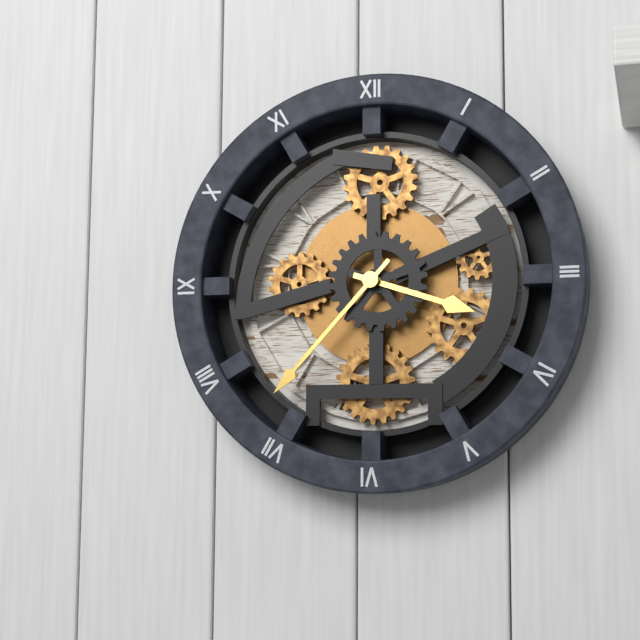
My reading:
h=3 m=37
